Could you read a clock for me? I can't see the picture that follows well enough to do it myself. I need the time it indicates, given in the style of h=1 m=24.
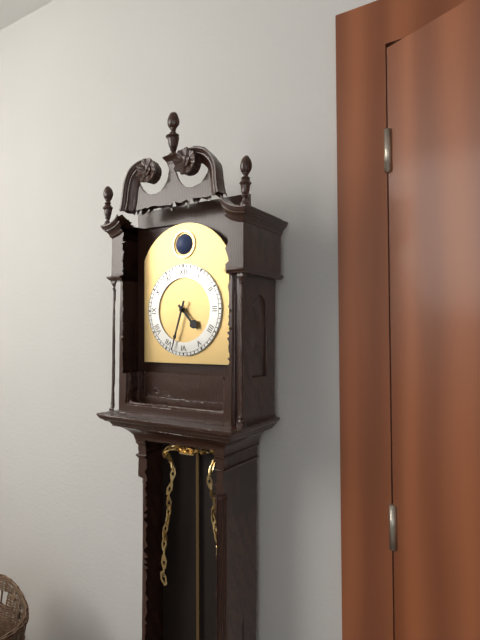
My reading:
h=4 m=33
